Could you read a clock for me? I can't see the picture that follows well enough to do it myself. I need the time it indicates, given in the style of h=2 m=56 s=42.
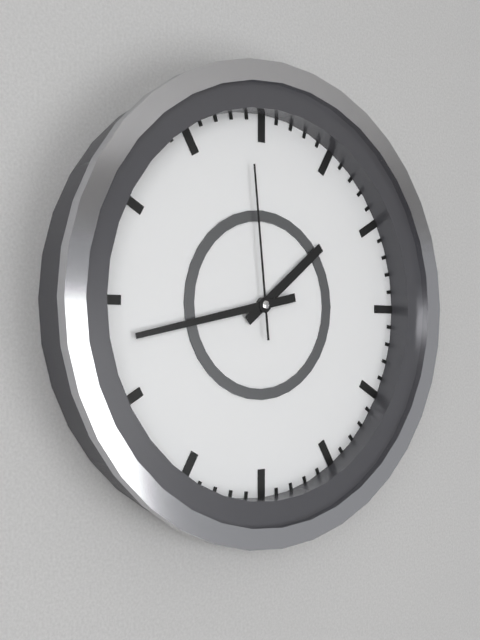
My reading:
h=1 m=43 s=59
